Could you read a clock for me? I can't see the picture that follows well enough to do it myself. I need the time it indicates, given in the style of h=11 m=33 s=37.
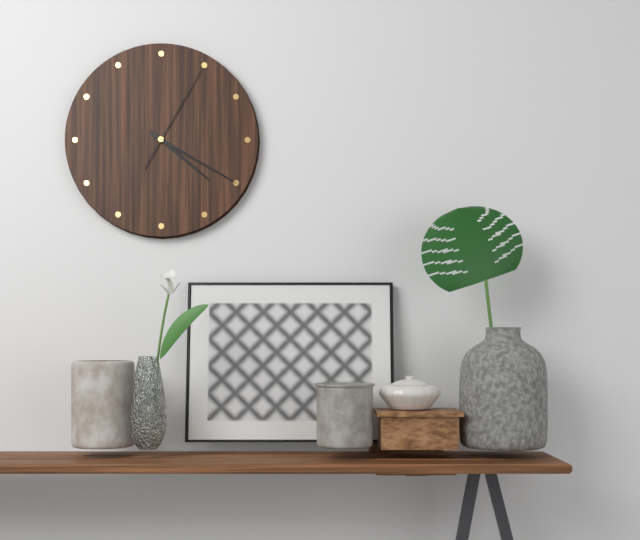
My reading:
h=4 m=20 s=5
